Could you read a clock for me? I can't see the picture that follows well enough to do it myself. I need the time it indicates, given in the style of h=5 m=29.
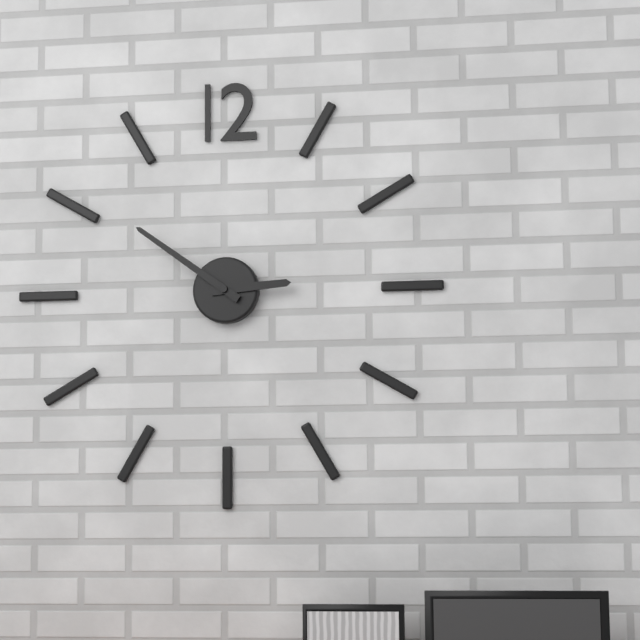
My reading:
h=2 m=51
